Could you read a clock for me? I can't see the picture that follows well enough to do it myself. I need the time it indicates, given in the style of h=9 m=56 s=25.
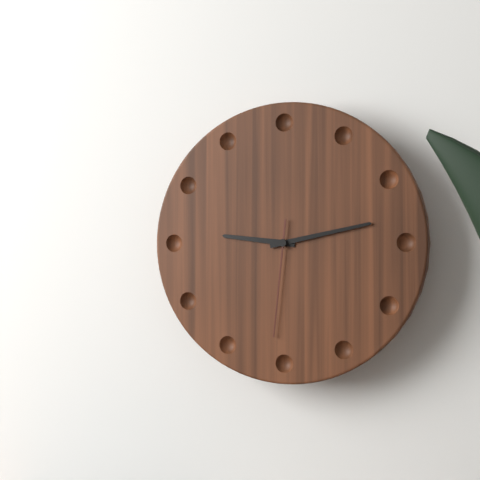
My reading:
h=9 m=13 s=31
